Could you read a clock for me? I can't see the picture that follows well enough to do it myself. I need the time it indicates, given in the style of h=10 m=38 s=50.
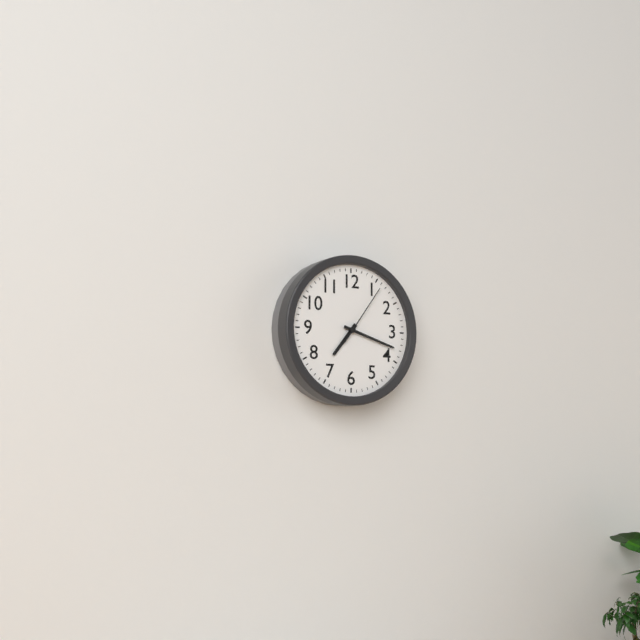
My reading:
h=7 m=18 s=6
